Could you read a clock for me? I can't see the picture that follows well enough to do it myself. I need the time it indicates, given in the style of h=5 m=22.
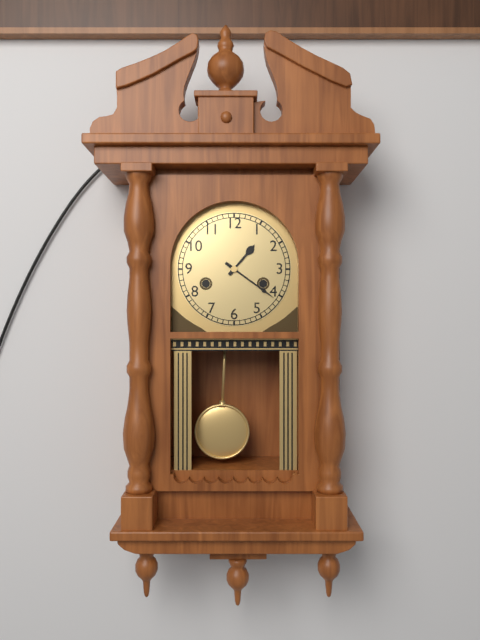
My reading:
h=1 m=21
